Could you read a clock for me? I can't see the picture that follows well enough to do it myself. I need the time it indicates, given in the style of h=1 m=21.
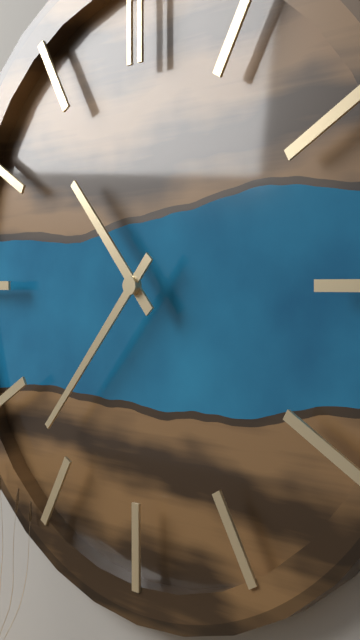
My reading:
h=10 m=37
